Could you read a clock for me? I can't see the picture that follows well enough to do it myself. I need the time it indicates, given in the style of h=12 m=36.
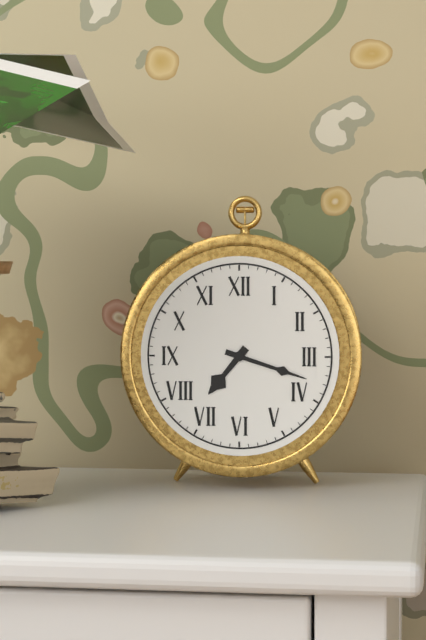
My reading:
h=7 m=18
